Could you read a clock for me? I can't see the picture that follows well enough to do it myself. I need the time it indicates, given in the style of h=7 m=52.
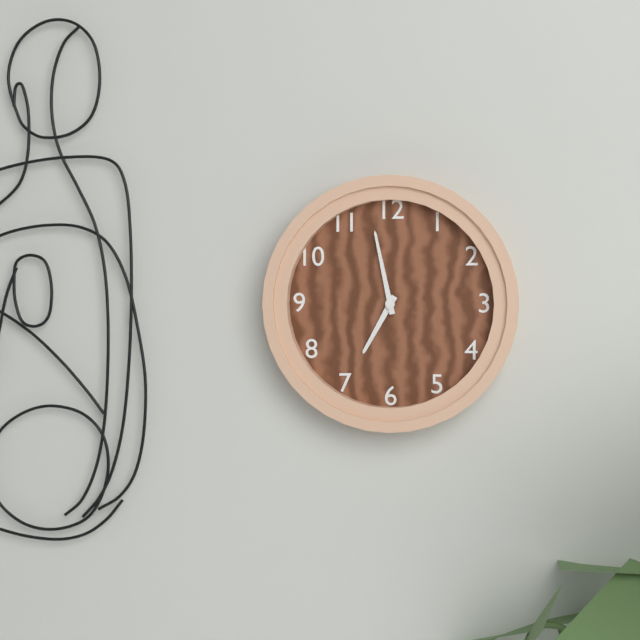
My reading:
h=6 m=58
